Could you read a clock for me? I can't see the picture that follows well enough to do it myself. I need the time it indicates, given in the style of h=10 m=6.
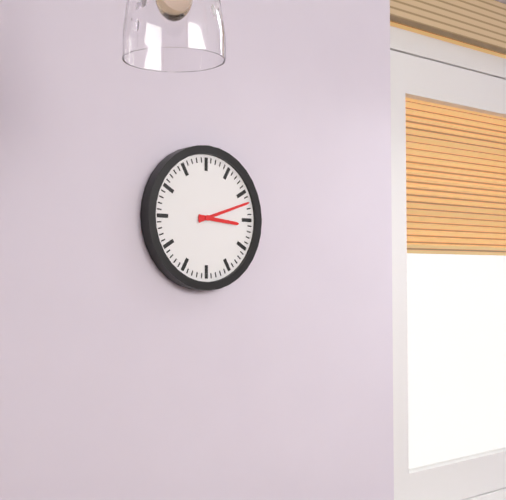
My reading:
h=3 m=12
